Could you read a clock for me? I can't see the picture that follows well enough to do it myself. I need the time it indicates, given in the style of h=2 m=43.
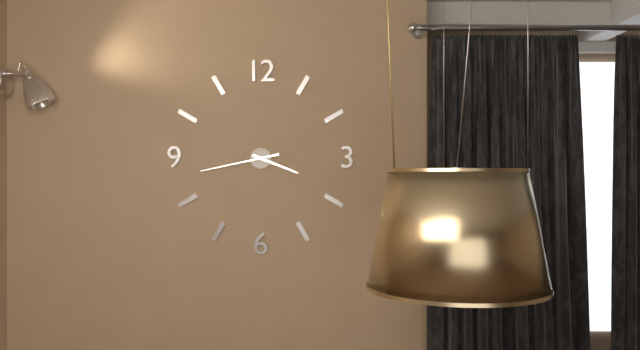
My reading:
h=3 m=43
